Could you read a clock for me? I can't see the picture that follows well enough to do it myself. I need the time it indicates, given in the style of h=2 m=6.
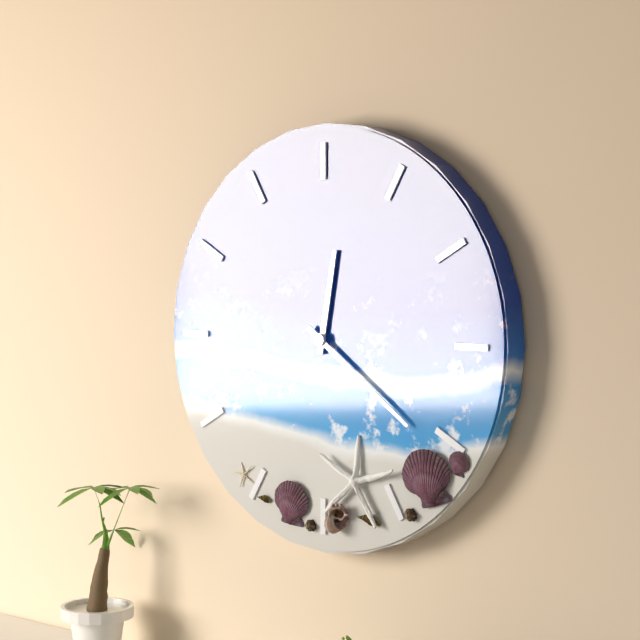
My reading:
h=12 m=21
